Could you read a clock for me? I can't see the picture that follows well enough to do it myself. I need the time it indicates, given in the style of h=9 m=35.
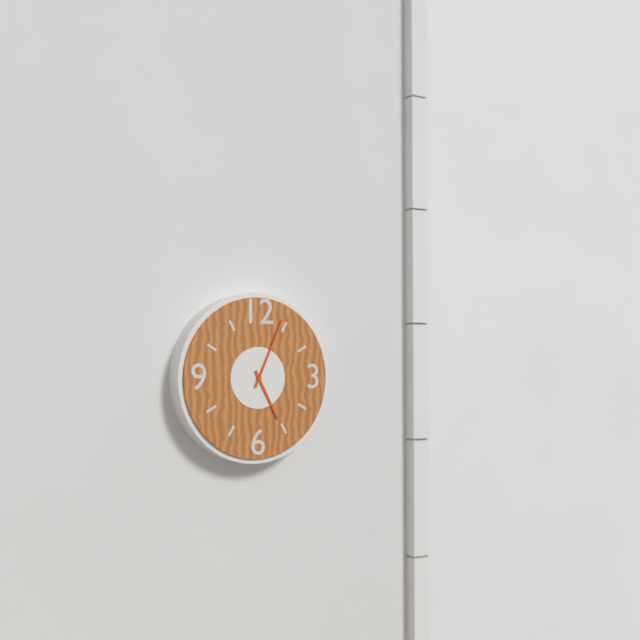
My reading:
h=5 m=4
